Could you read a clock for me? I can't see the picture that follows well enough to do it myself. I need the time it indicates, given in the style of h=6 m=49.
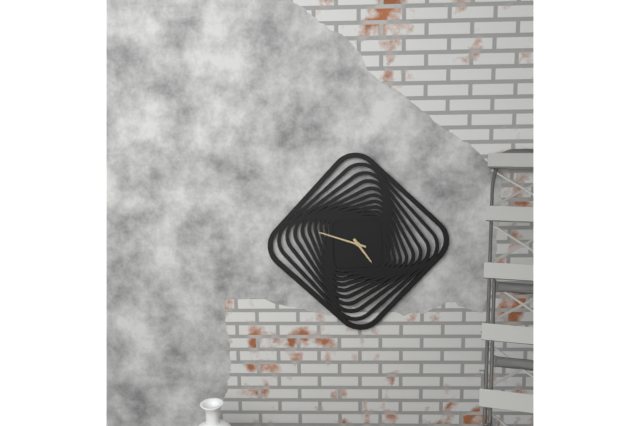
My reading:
h=4 m=48
